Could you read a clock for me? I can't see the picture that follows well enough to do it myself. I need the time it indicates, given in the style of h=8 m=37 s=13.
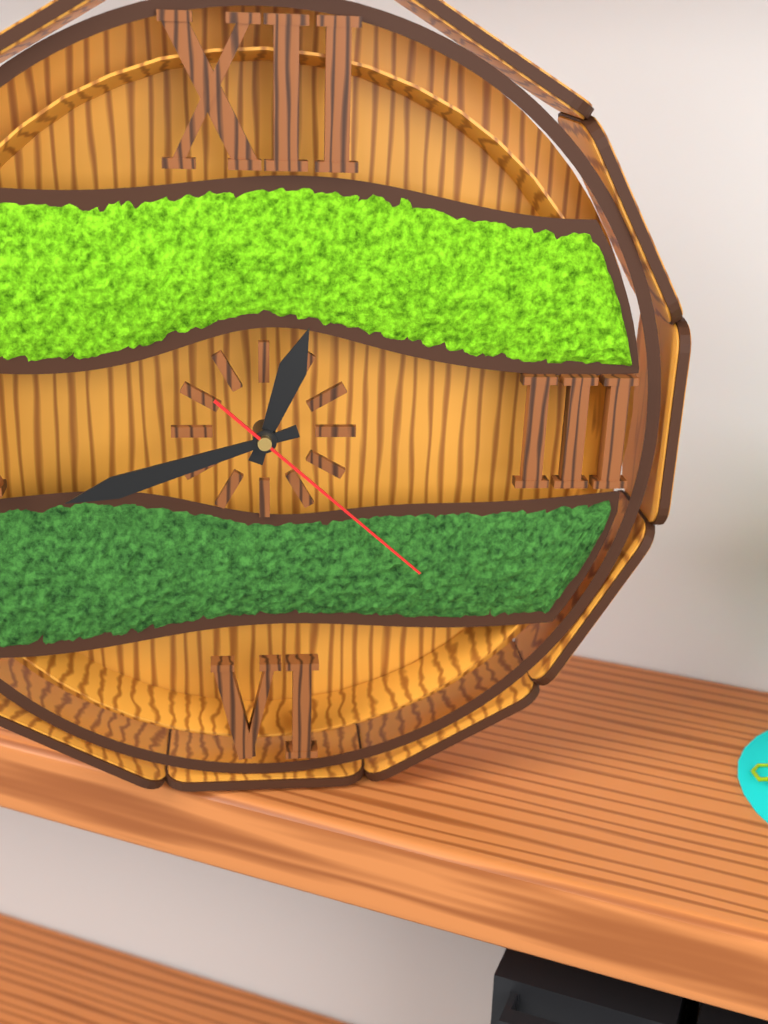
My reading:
h=12 m=42 s=22
